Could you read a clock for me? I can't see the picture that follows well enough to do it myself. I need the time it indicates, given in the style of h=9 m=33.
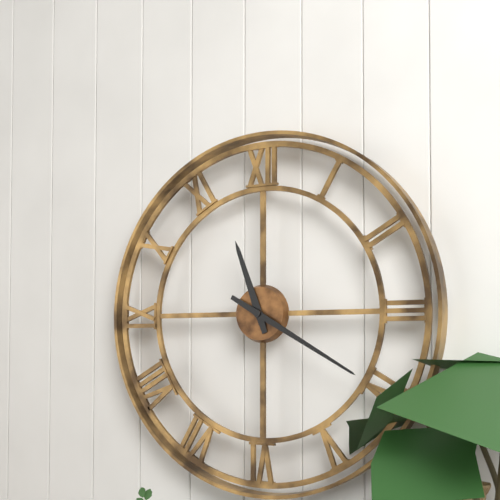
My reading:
h=11 m=20
